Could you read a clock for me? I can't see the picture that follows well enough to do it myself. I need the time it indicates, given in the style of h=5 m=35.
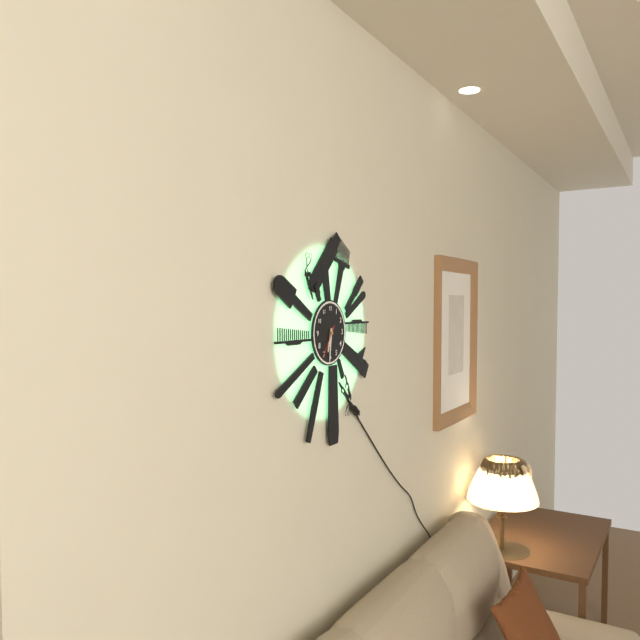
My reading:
h=6 m=31
